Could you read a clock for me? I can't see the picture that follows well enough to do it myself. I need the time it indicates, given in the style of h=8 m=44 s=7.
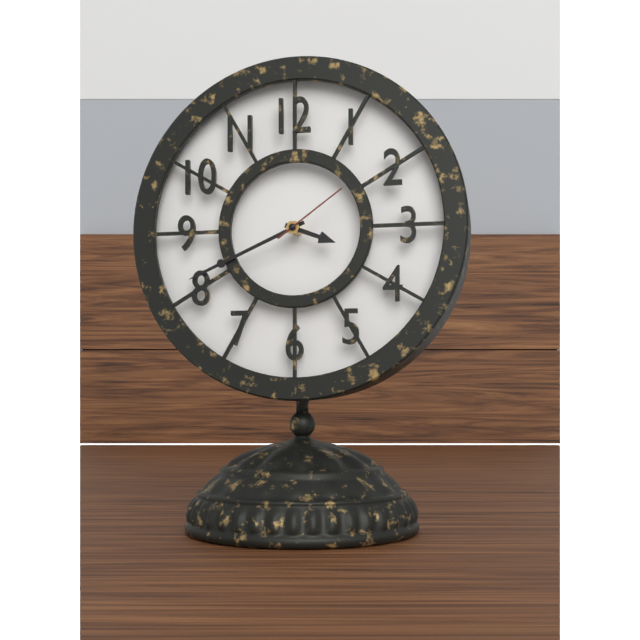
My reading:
h=3 m=41 s=9
